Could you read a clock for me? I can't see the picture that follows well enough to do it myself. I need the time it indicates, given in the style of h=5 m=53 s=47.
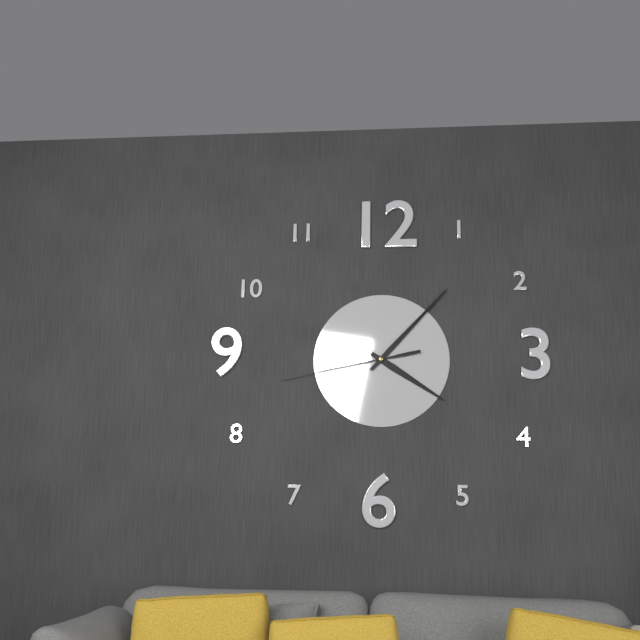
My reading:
h=4 m=7 s=43
